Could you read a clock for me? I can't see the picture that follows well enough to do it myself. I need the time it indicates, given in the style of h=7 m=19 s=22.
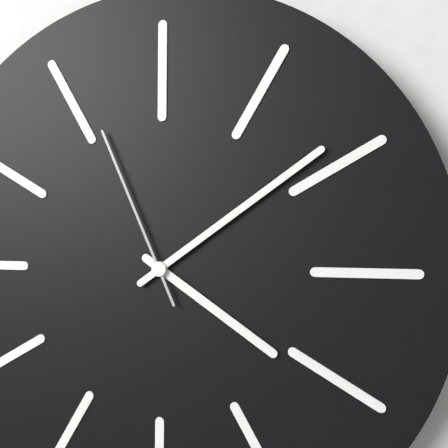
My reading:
h=4 m=9 s=56
